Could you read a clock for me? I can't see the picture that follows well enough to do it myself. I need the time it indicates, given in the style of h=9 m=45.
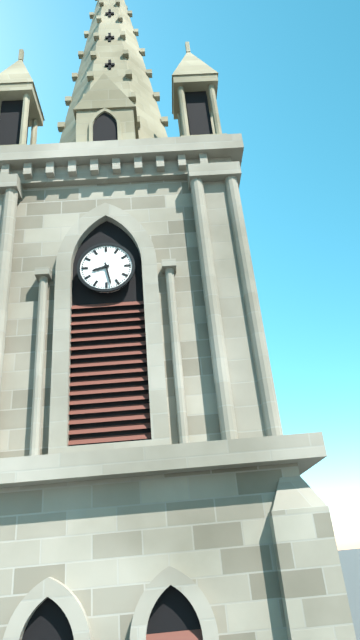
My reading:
h=8 m=28
